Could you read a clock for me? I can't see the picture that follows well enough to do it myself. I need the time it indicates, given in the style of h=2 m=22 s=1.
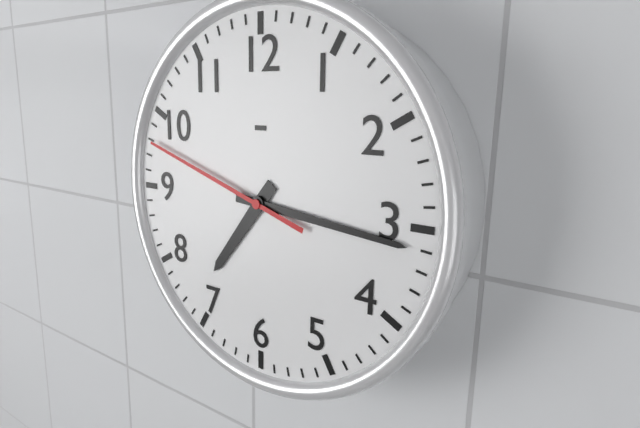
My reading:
h=7 m=16 s=48
